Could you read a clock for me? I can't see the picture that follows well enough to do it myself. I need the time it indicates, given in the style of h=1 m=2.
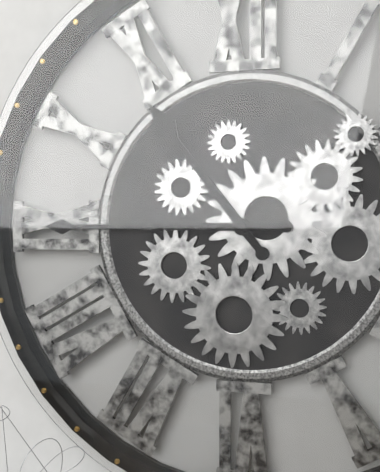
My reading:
h=10 m=45
